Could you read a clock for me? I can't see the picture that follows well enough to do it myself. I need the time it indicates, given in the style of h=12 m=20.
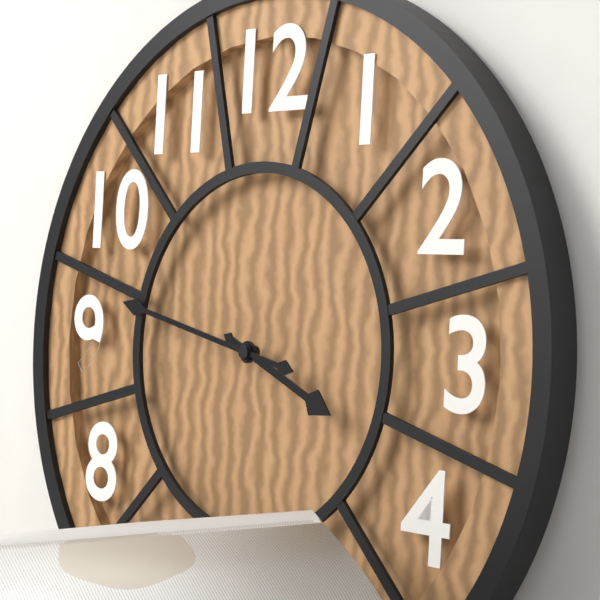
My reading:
h=3 m=47
